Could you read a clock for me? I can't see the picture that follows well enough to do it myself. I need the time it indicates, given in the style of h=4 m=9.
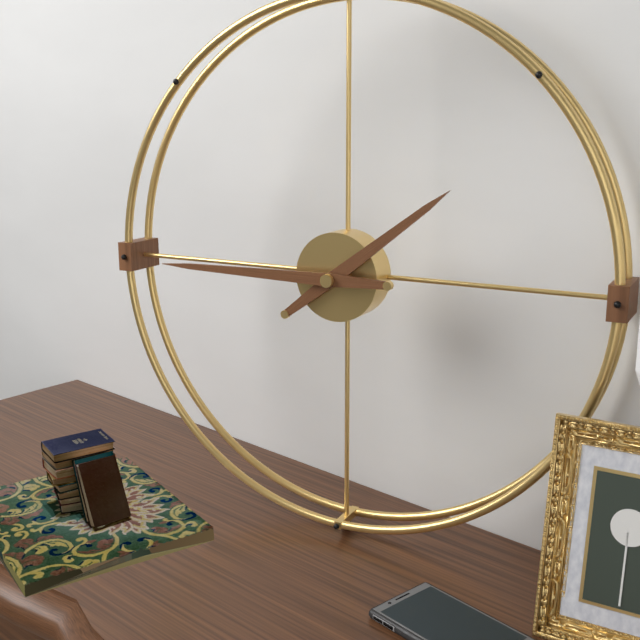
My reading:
h=1 m=45
